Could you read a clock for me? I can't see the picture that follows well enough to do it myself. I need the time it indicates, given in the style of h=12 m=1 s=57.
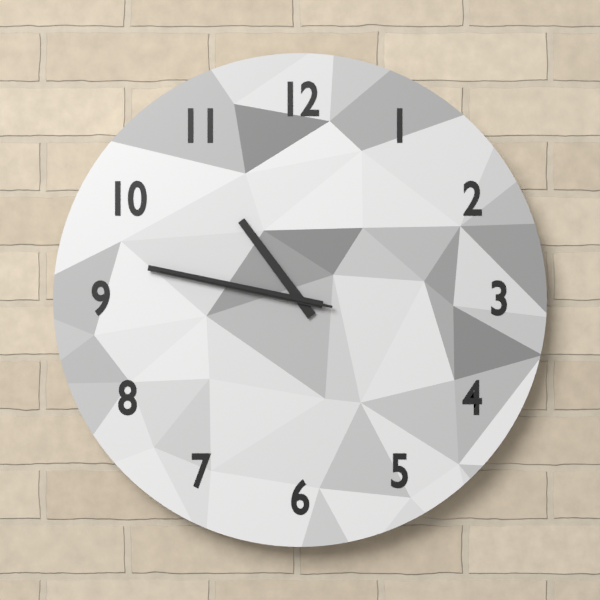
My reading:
h=10 m=47 s=47
